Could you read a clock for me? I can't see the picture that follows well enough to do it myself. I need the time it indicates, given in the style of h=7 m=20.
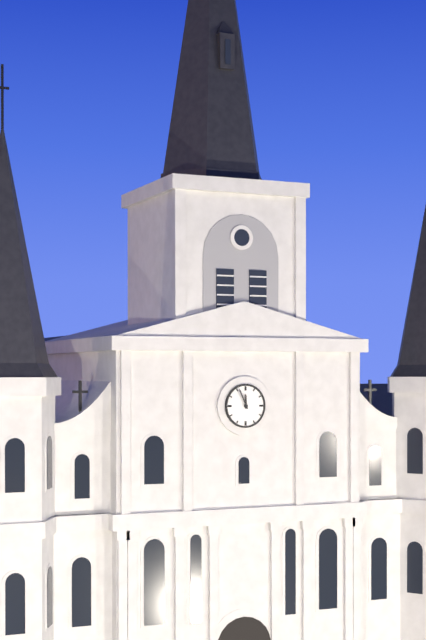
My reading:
h=11 m=56
